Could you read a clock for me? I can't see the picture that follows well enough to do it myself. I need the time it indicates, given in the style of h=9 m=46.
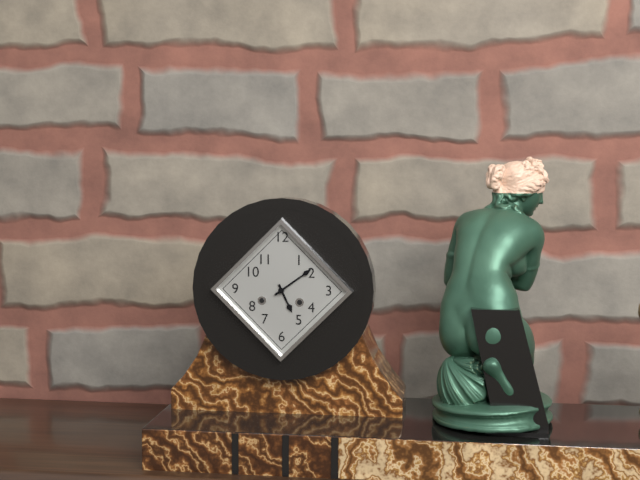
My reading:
h=5 m=9
